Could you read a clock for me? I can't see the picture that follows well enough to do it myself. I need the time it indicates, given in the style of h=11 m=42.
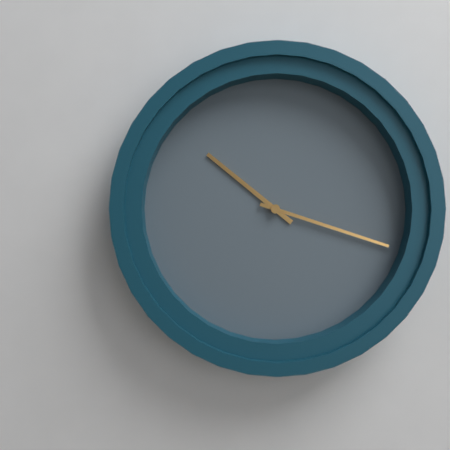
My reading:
h=10 m=18
